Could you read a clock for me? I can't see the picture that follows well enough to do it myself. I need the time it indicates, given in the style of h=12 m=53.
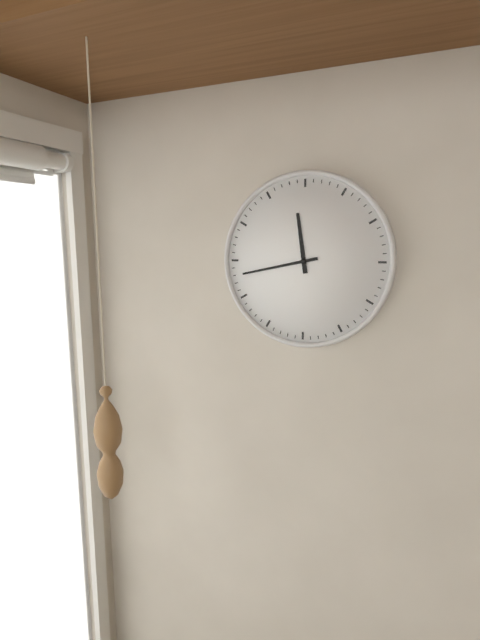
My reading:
h=11 m=43
